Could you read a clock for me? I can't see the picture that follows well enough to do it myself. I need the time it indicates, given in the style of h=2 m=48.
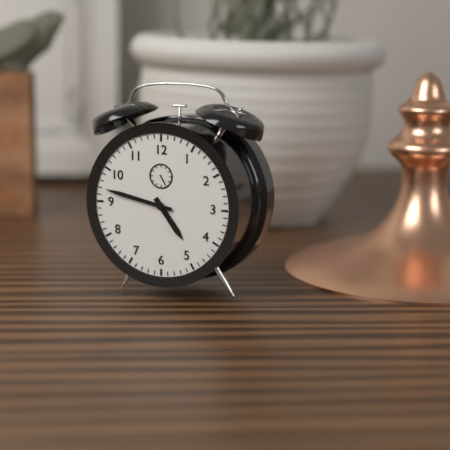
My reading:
h=4 m=47
